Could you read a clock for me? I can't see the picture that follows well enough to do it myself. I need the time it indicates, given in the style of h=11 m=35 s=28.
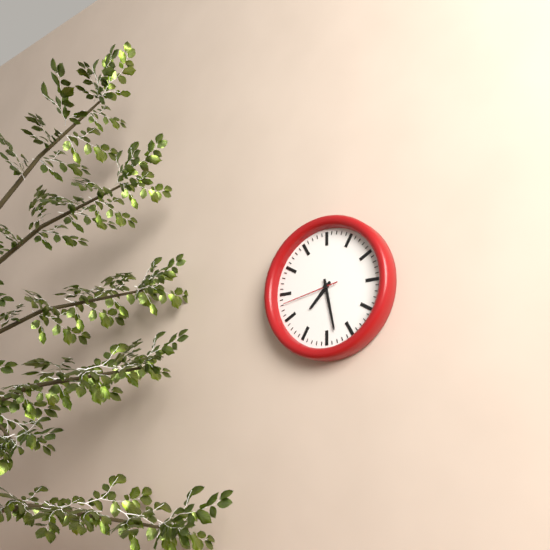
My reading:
h=7 m=28 s=43
